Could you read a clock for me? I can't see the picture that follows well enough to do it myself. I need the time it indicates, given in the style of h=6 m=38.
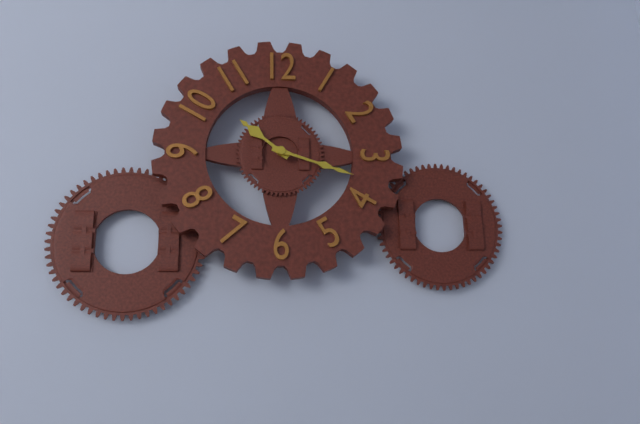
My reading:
h=10 m=18
